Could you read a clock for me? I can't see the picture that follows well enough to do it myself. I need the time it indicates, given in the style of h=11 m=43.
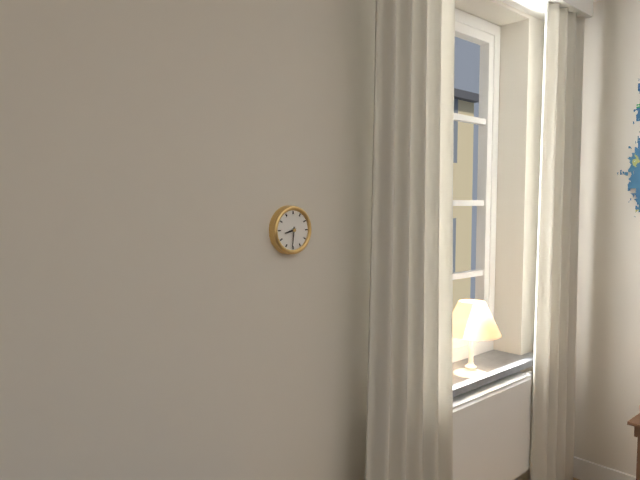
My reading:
h=8 m=31
